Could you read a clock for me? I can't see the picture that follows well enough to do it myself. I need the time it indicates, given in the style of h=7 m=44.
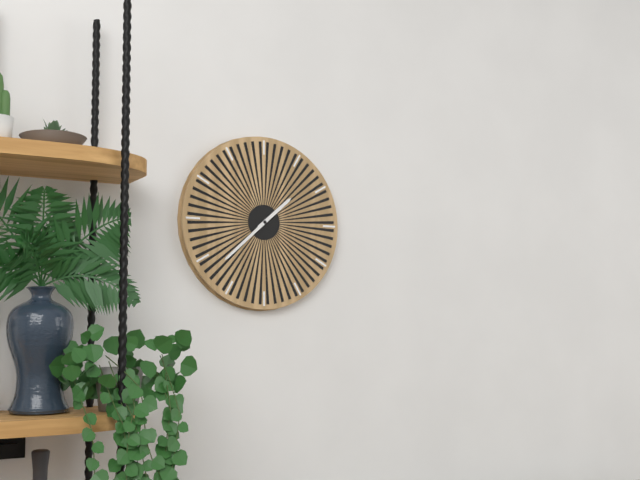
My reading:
h=1 m=38
